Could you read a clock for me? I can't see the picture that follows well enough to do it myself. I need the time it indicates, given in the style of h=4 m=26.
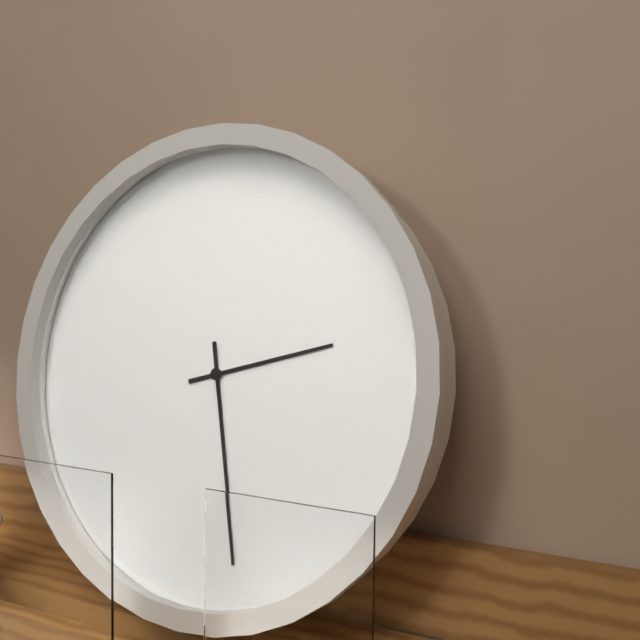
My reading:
h=2 m=28
